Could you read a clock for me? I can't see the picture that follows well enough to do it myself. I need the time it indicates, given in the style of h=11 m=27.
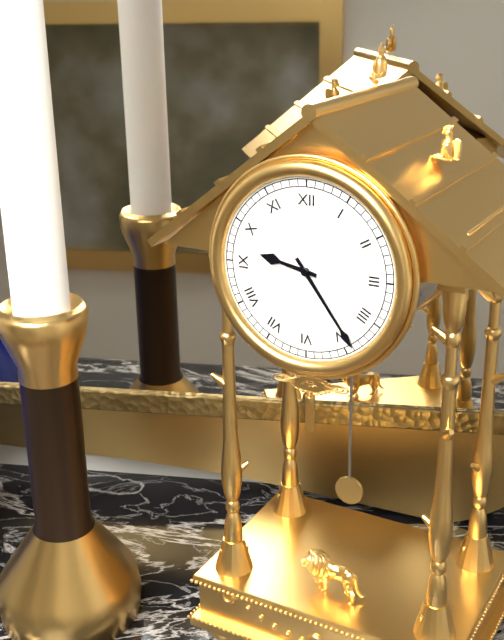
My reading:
h=9 m=24
